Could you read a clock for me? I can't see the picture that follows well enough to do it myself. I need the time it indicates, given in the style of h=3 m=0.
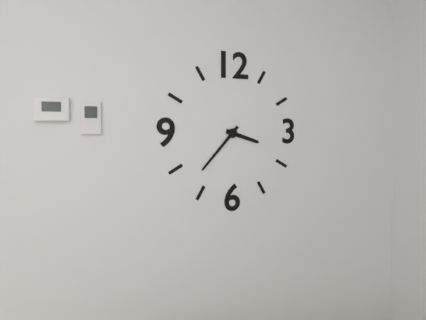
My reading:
h=3 m=37
